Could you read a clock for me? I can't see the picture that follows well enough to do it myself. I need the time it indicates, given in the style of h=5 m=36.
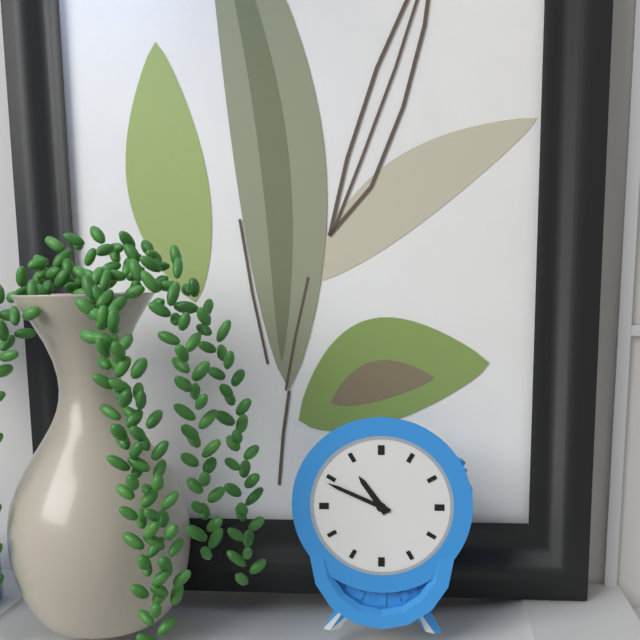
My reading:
h=10 m=49
